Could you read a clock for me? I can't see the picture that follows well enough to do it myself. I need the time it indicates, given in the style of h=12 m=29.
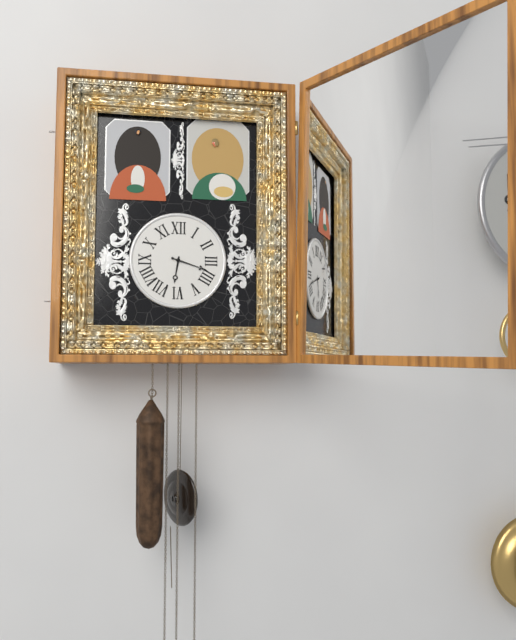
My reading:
h=6 m=18
